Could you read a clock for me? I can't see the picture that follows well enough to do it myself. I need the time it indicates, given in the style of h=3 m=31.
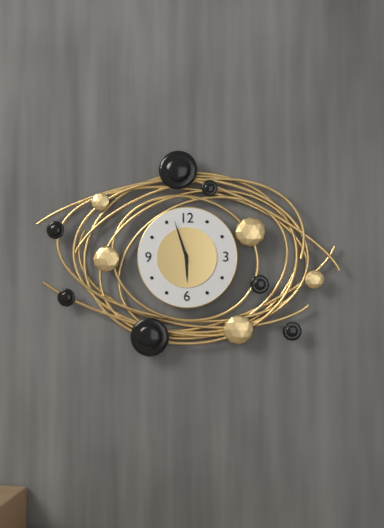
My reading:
h=5 m=57
